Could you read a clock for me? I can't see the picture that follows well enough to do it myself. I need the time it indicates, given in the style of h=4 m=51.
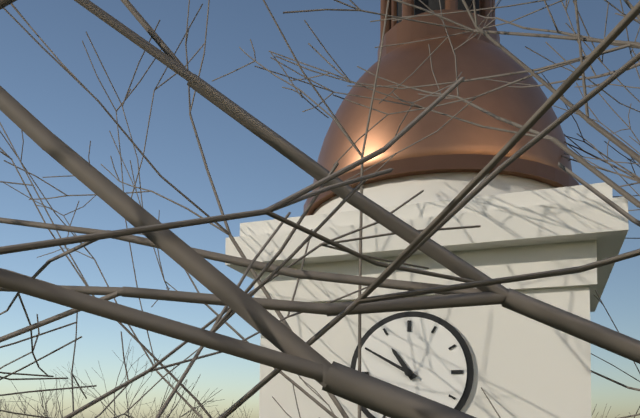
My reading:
h=10 m=50
